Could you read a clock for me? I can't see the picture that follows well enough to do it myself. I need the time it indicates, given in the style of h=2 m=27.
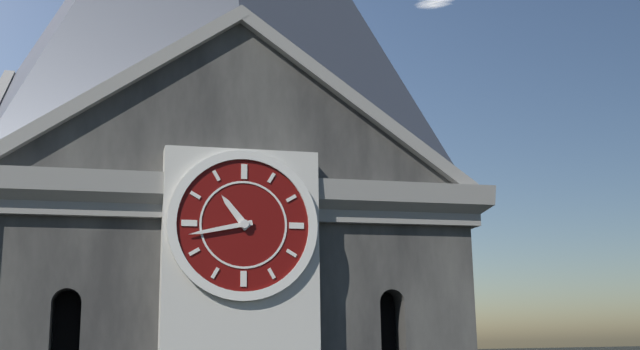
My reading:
h=10 m=43
